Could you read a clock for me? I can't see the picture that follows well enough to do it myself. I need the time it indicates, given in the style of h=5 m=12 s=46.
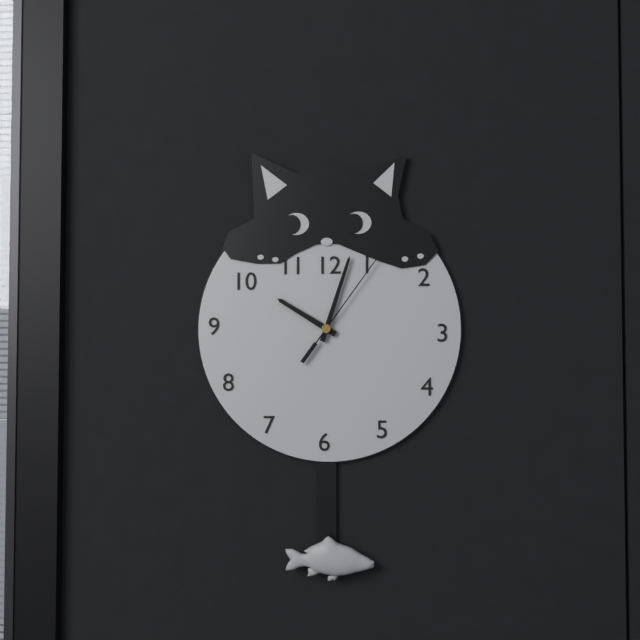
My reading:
h=10 m=3 s=6
